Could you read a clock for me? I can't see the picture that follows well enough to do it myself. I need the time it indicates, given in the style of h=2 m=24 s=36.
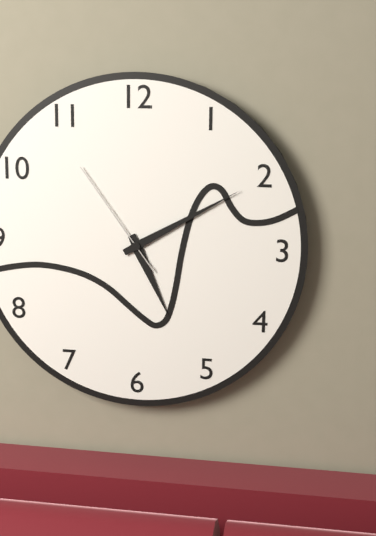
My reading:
h=5 m=10 s=54
